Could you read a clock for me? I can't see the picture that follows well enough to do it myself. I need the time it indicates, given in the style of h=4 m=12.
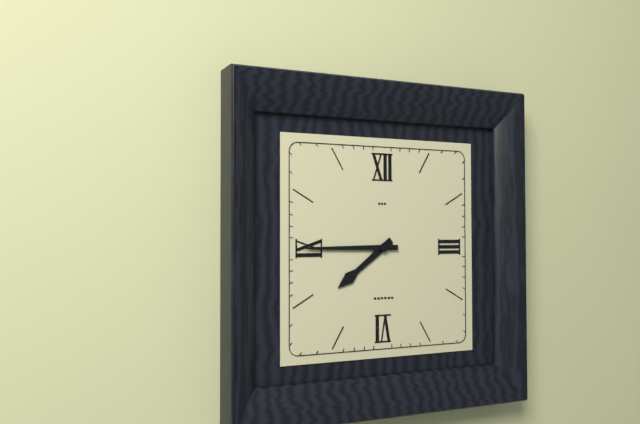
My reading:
h=7 m=45
